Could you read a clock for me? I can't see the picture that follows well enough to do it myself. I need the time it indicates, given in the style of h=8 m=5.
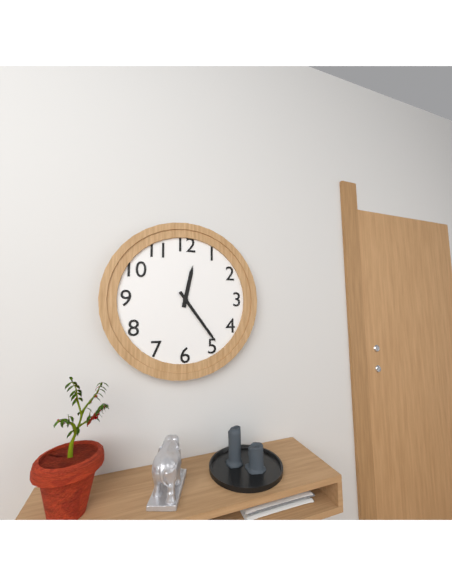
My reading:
h=12 m=24
